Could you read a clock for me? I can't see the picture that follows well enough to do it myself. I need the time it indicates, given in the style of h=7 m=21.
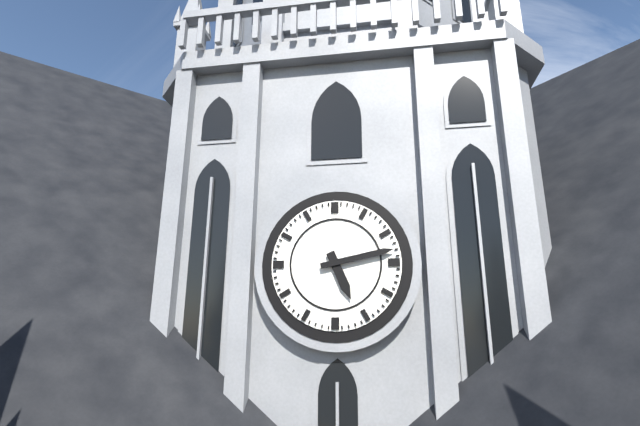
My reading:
h=5 m=13
